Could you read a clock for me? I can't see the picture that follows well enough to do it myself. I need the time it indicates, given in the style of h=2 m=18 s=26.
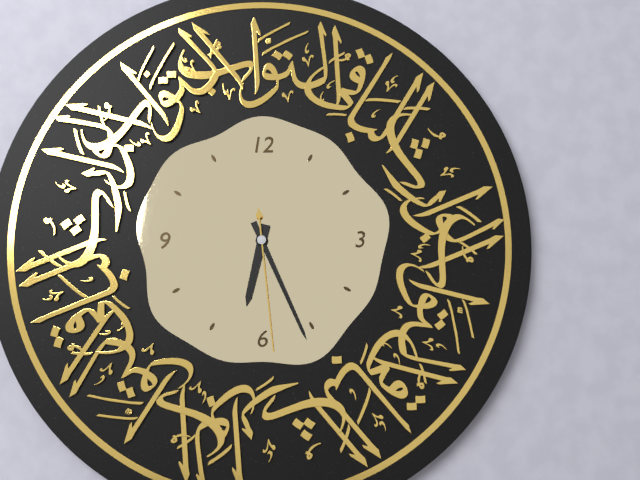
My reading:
h=6 m=26 s=29
